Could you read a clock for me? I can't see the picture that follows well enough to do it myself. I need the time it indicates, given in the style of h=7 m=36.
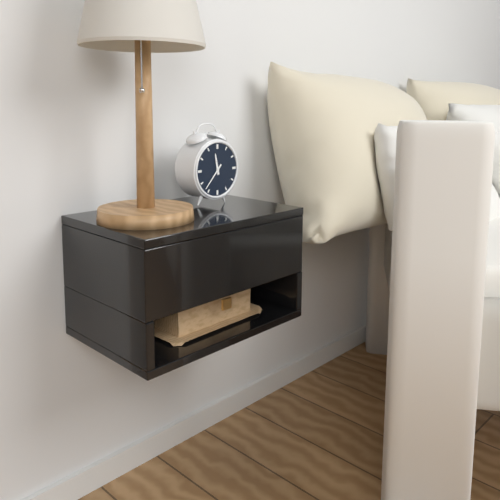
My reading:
h=11 m=37
